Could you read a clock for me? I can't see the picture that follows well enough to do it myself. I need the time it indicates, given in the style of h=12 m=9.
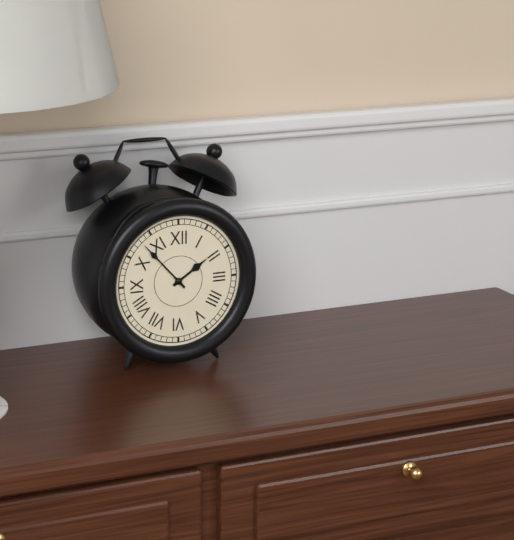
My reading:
h=1 m=53
